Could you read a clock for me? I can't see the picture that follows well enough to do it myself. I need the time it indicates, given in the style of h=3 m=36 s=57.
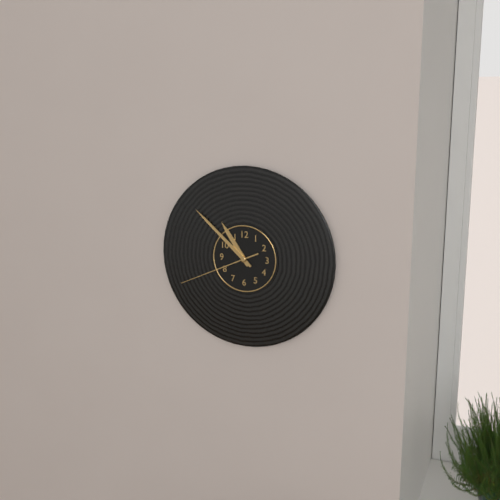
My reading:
h=10 m=52 s=41
